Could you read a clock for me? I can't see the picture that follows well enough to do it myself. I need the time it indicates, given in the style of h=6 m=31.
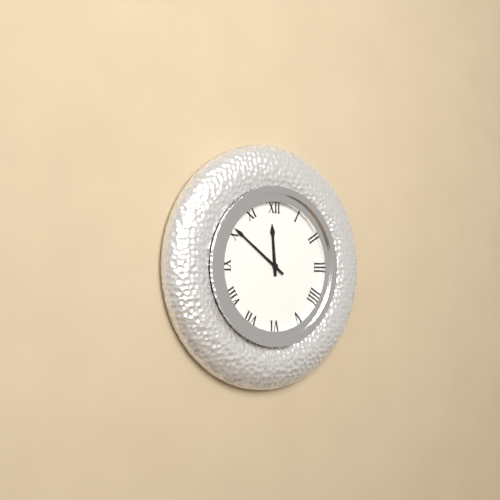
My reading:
h=11 m=51
